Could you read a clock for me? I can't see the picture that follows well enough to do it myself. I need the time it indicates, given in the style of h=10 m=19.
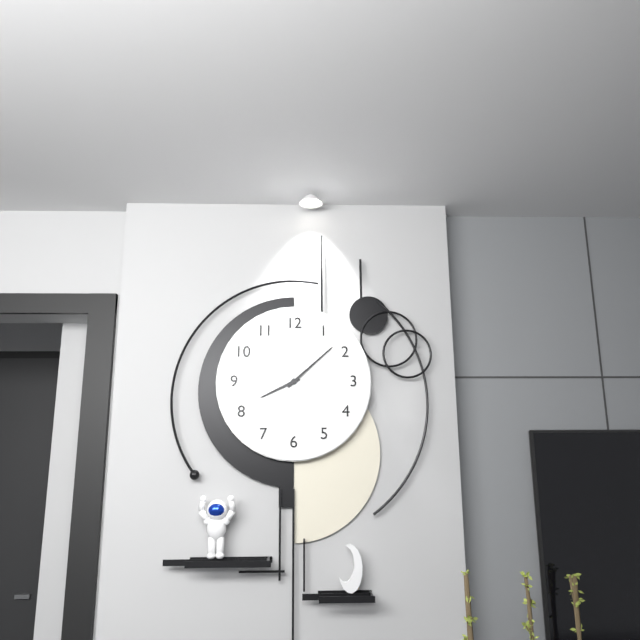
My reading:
h=8 m=8
